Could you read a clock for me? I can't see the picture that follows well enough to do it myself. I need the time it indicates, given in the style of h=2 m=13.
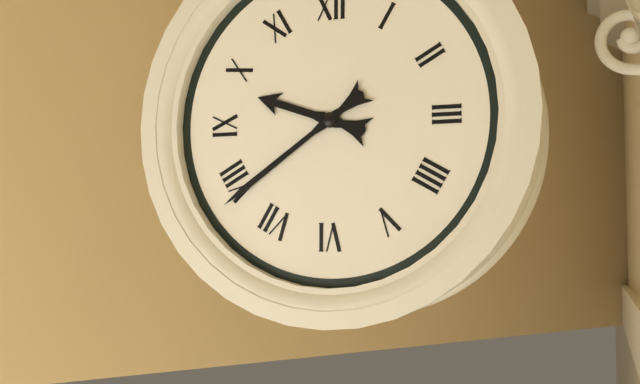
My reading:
h=9 m=39
